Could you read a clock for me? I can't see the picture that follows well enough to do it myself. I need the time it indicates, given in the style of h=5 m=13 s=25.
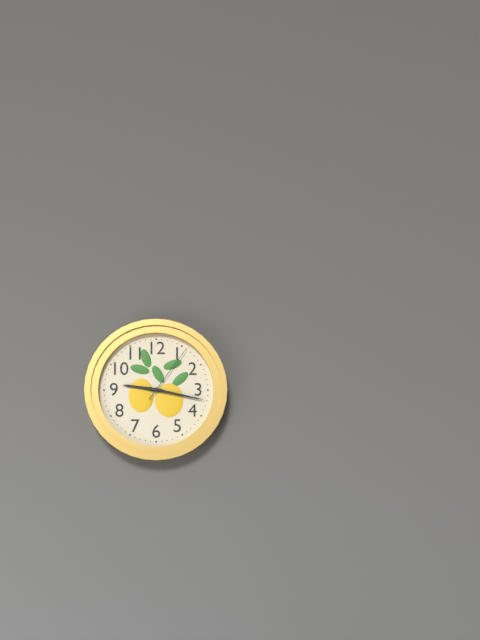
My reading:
h=9 m=17 s=6
